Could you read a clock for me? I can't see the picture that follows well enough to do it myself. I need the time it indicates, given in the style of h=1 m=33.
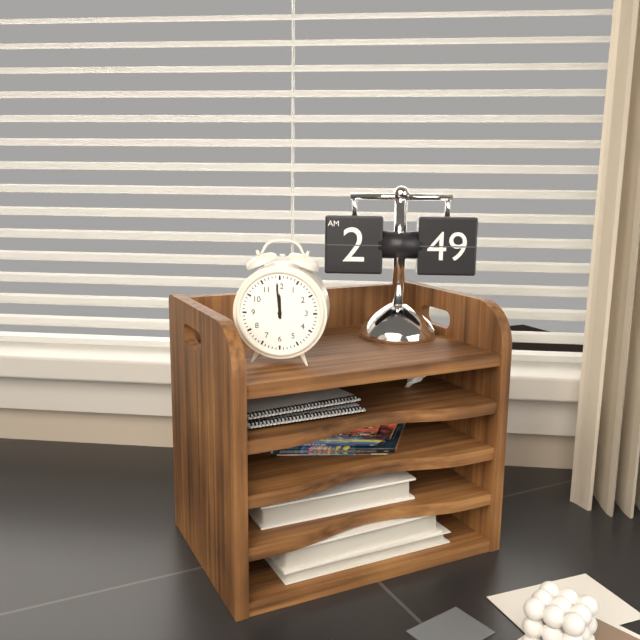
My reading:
h=11 m=59
